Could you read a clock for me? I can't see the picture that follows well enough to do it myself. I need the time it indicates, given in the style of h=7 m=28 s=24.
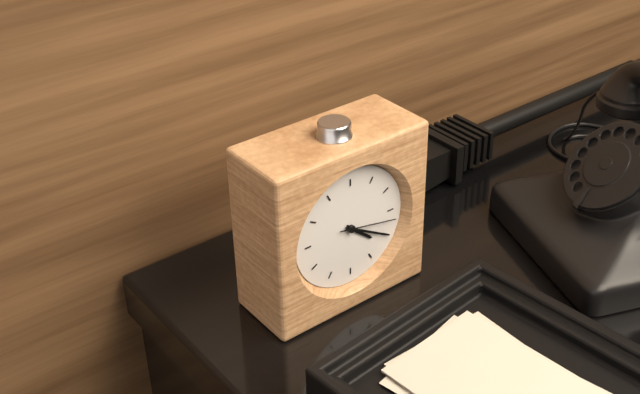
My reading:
h=4 m=20 s=17
